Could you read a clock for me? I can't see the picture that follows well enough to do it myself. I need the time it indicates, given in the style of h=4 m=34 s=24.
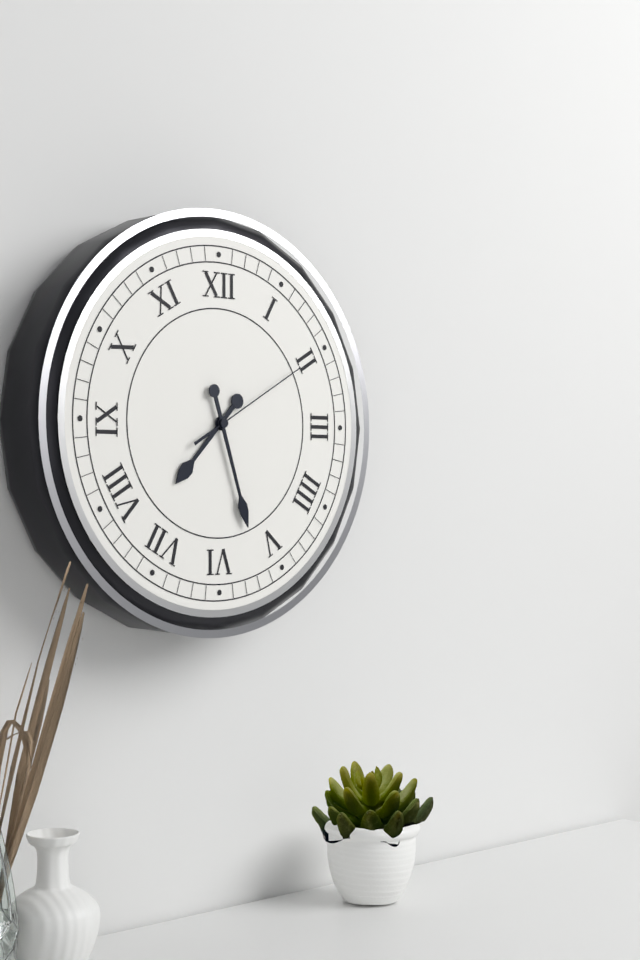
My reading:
h=7 m=27 s=10
